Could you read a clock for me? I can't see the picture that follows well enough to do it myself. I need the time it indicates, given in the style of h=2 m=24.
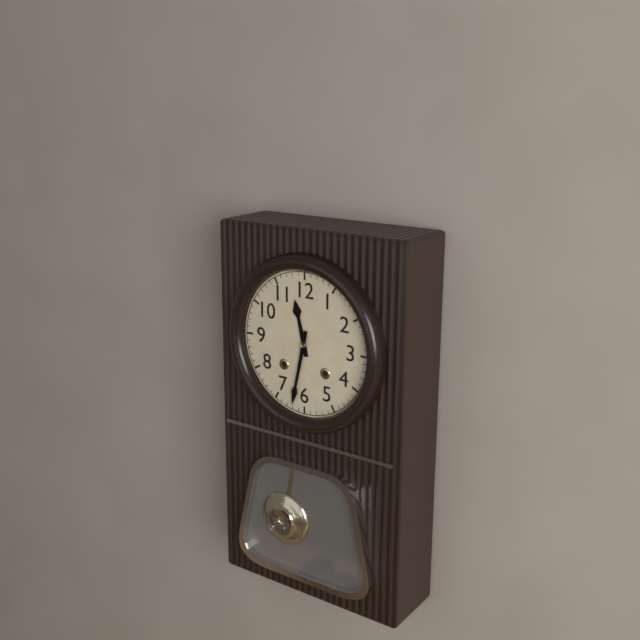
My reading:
h=11 m=32
